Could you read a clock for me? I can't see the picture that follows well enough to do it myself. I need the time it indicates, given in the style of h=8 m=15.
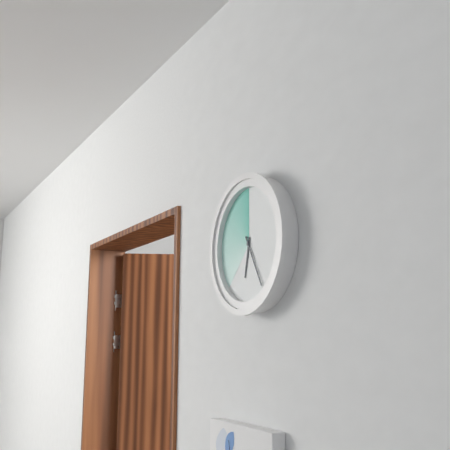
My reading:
h=6 m=25
